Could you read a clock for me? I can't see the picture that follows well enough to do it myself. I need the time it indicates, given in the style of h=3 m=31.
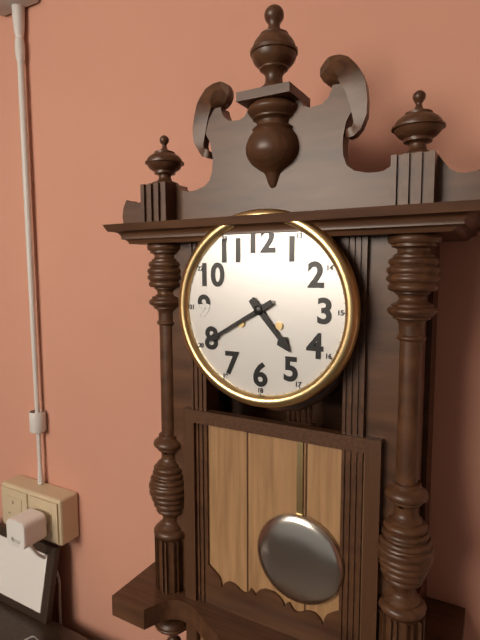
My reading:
h=4 m=40
